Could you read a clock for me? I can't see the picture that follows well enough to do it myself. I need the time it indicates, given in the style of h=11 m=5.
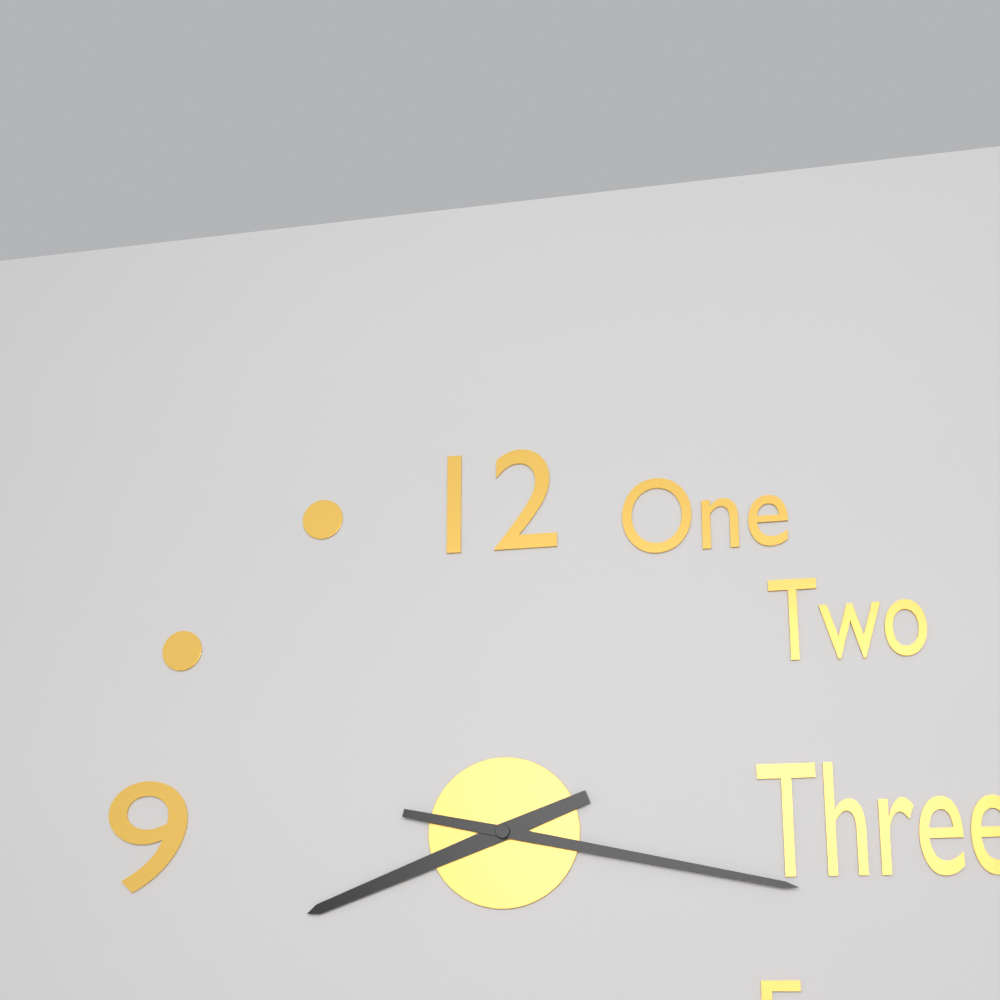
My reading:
h=8 m=17
